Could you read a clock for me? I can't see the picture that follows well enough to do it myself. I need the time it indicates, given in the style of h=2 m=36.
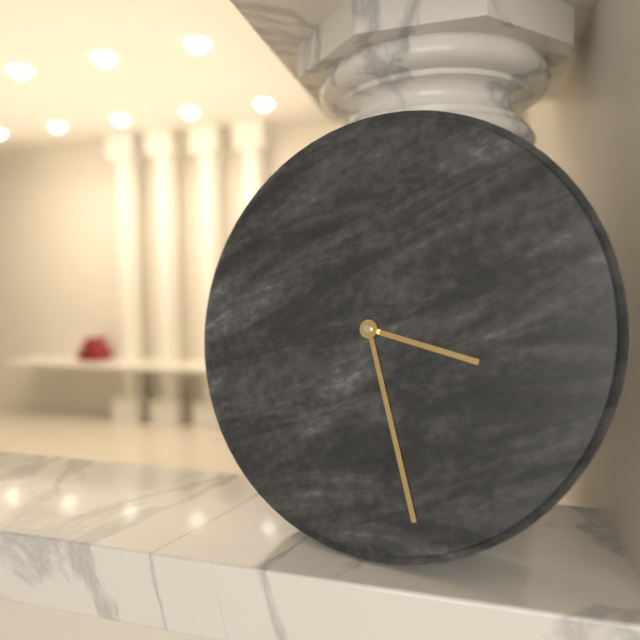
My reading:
h=3 m=27
